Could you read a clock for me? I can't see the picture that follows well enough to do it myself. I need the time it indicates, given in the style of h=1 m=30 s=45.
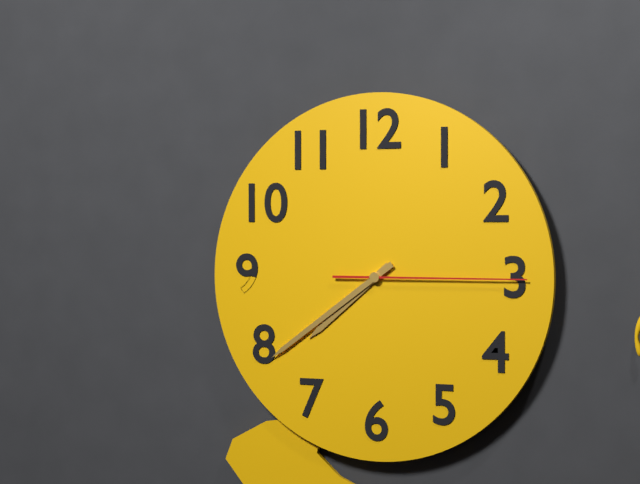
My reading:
h=7 m=39 s=15
